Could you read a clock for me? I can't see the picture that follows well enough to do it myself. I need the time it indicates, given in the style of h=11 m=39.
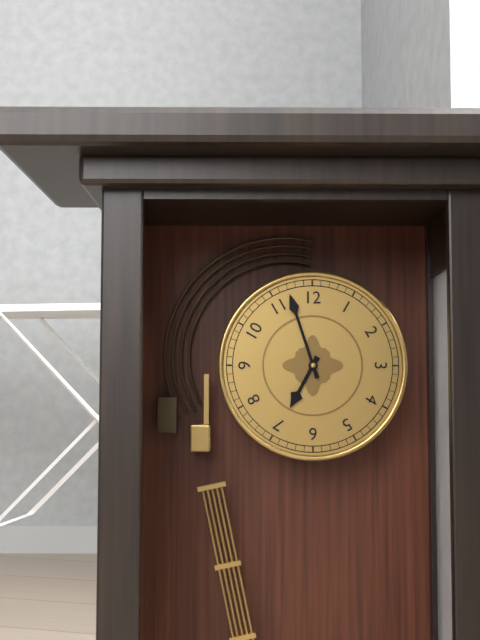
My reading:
h=6 m=57
